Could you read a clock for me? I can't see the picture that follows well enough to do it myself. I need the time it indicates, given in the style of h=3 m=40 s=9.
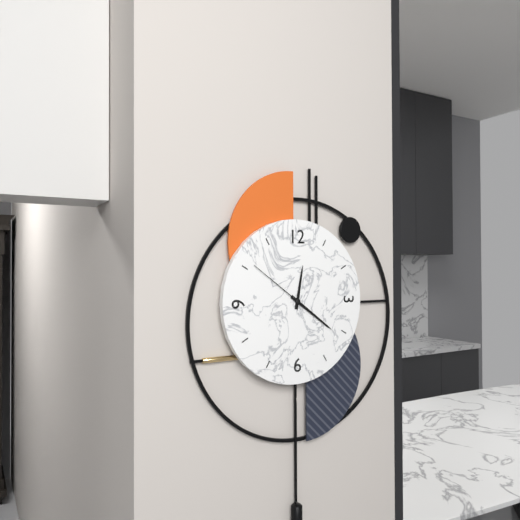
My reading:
h=12 m=21 s=51
